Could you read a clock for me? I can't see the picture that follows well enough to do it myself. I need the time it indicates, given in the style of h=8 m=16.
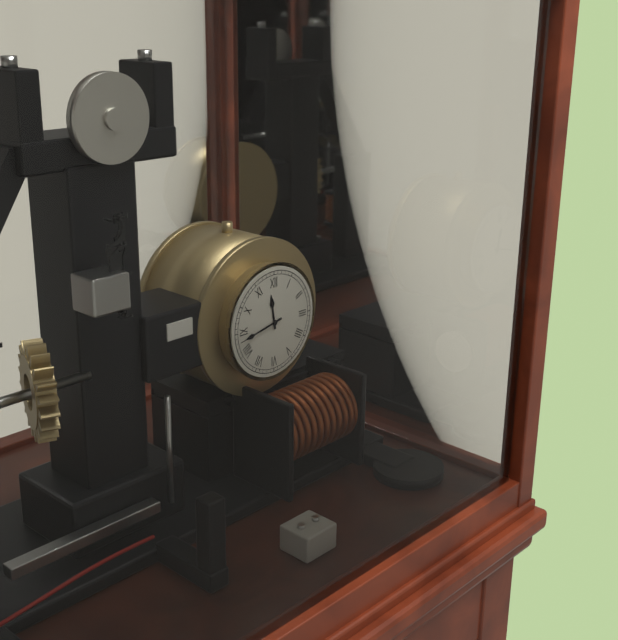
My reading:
h=11 m=43
